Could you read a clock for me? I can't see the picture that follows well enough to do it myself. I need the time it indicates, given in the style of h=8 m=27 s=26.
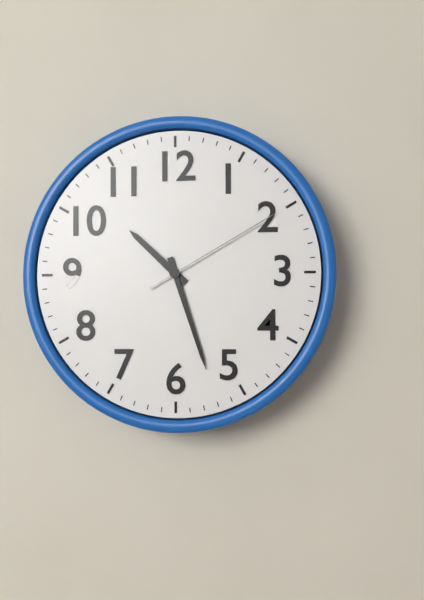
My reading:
h=10 m=27 s=10
